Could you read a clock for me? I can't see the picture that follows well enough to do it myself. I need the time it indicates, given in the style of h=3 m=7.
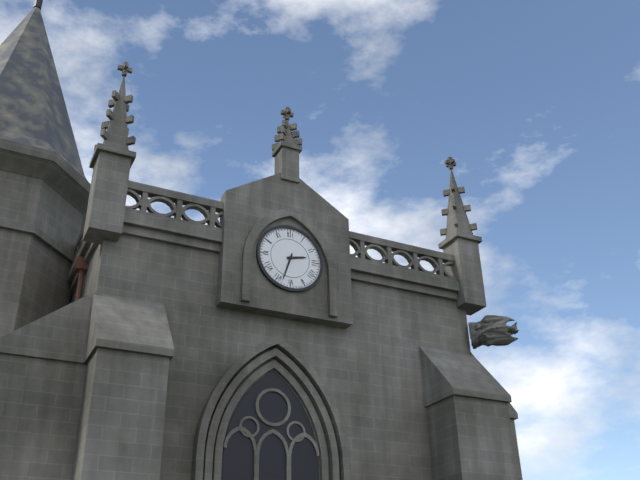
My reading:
h=2 m=33
